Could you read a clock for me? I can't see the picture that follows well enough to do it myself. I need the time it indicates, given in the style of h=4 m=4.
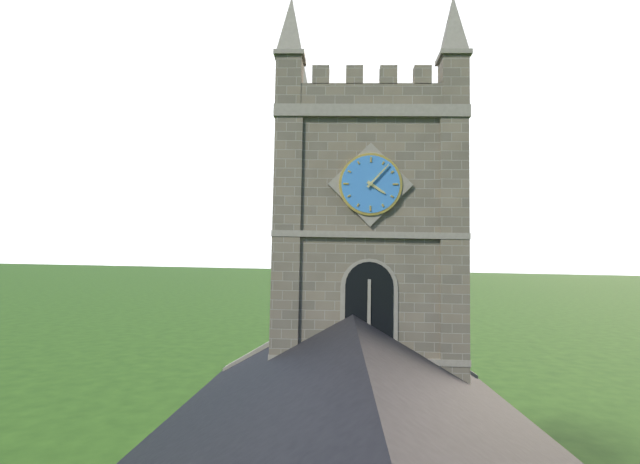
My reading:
h=4 m=7
